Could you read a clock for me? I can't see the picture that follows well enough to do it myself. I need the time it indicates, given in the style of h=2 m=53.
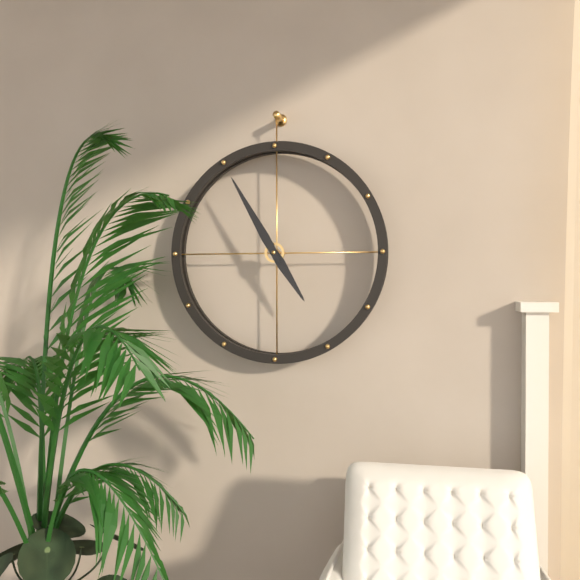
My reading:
h=4 m=55
